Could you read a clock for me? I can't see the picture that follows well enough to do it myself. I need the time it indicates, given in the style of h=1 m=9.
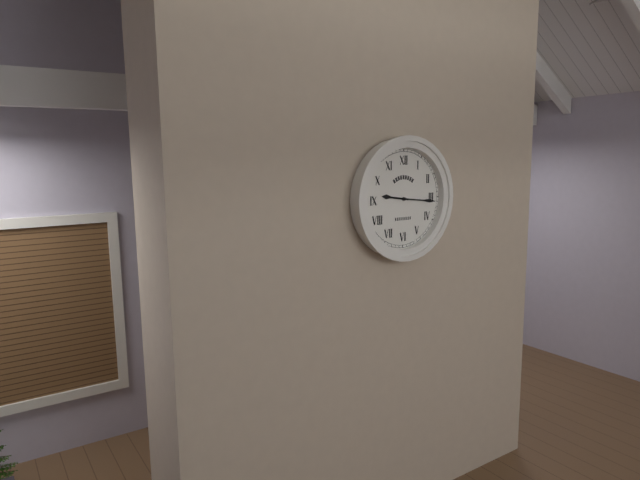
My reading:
h=9 m=16
